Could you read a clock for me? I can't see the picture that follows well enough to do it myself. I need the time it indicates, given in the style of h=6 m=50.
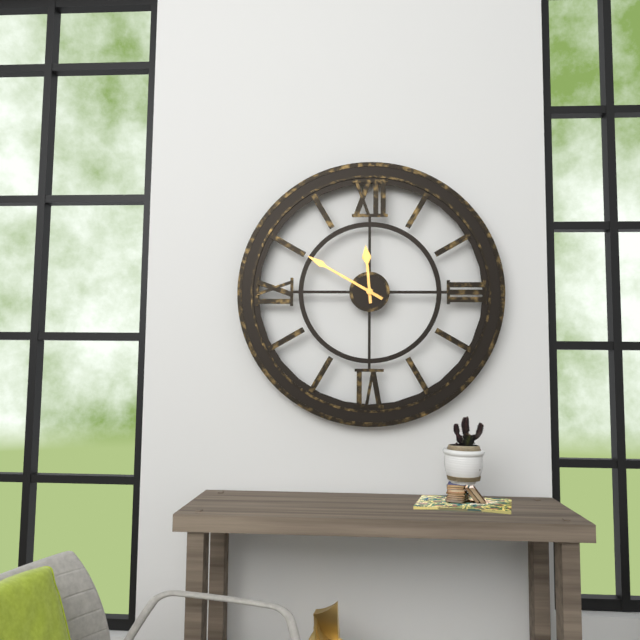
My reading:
h=11 m=50
